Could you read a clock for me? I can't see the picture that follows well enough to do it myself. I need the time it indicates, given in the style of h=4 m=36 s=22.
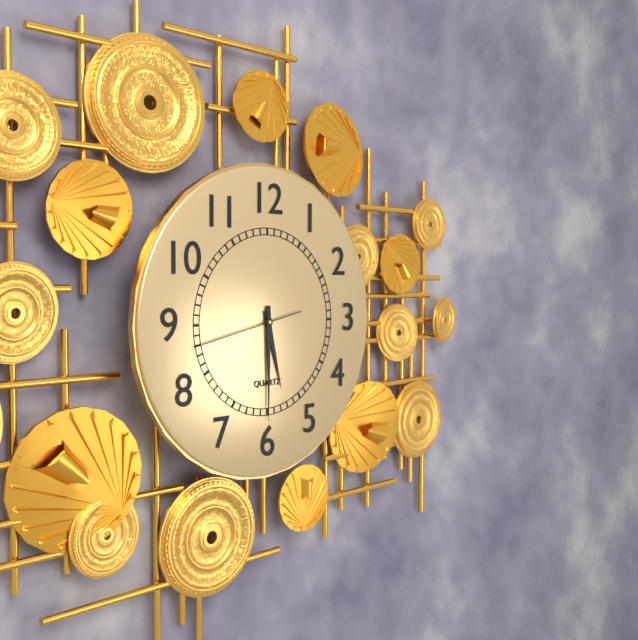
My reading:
h=5 m=30 s=43
